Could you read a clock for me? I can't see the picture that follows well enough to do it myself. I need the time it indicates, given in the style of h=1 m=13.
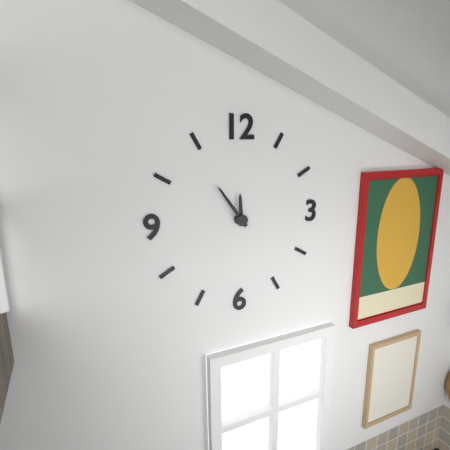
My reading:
h=11 m=54
